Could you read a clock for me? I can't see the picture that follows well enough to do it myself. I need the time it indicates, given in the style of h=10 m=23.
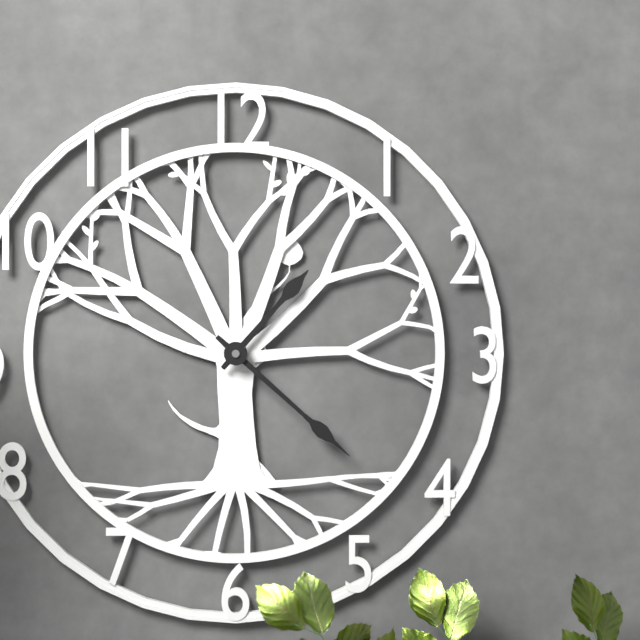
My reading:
h=1 m=22
